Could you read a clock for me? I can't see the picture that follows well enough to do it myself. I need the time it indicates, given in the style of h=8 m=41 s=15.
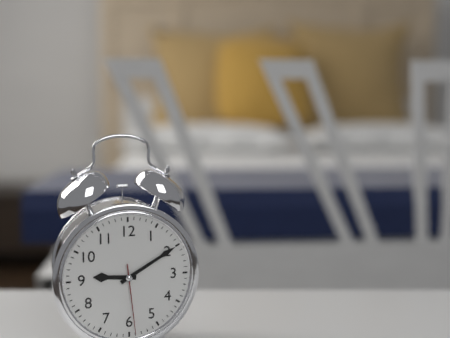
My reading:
h=9 m=10 s=29
